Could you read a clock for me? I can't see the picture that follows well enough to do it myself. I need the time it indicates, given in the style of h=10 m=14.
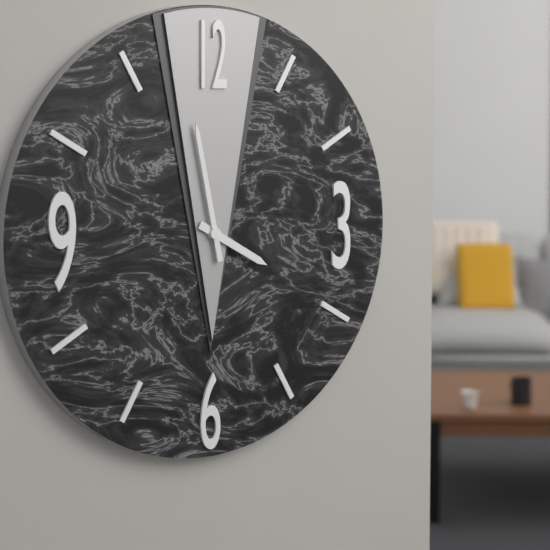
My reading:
h=3 m=58
